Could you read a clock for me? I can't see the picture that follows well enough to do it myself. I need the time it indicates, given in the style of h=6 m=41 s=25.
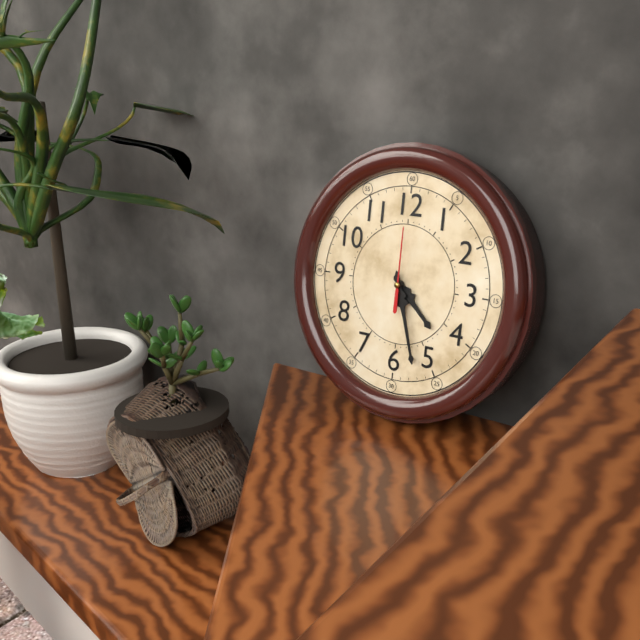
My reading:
h=4 m=27 s=0
